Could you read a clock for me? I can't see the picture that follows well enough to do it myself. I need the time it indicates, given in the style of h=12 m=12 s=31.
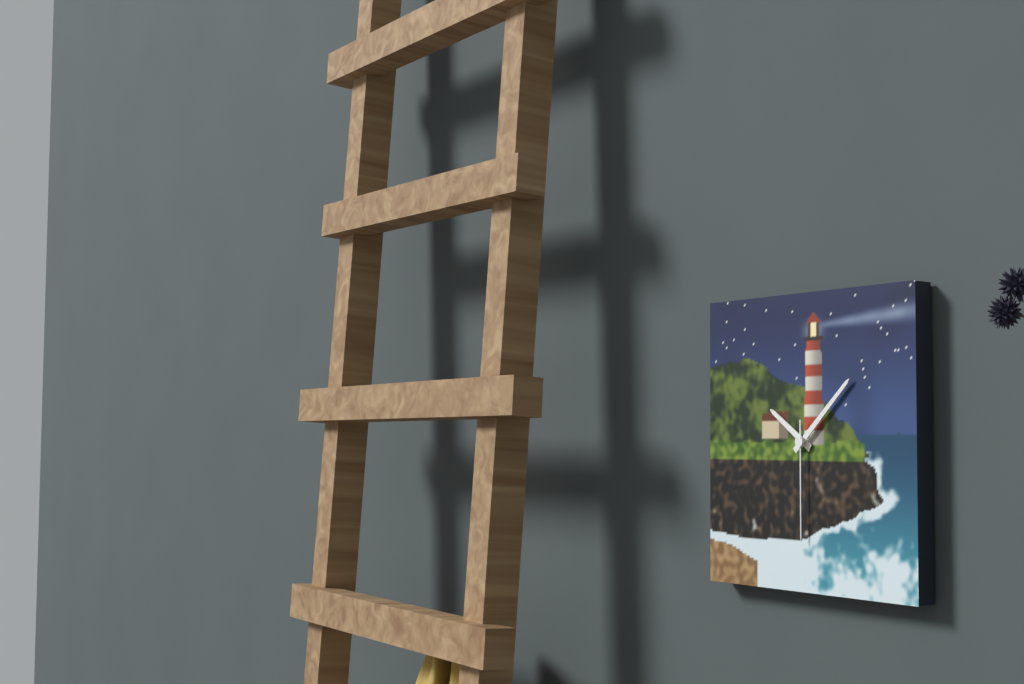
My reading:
h=10 m=8 s=30
